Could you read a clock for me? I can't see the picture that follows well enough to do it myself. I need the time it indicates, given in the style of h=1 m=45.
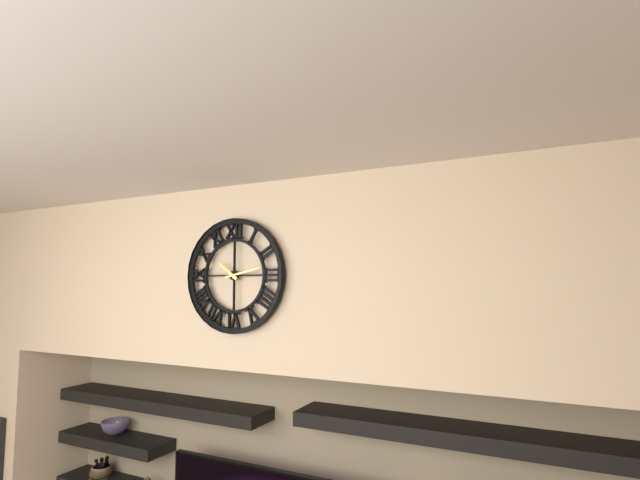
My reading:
h=10 m=13
